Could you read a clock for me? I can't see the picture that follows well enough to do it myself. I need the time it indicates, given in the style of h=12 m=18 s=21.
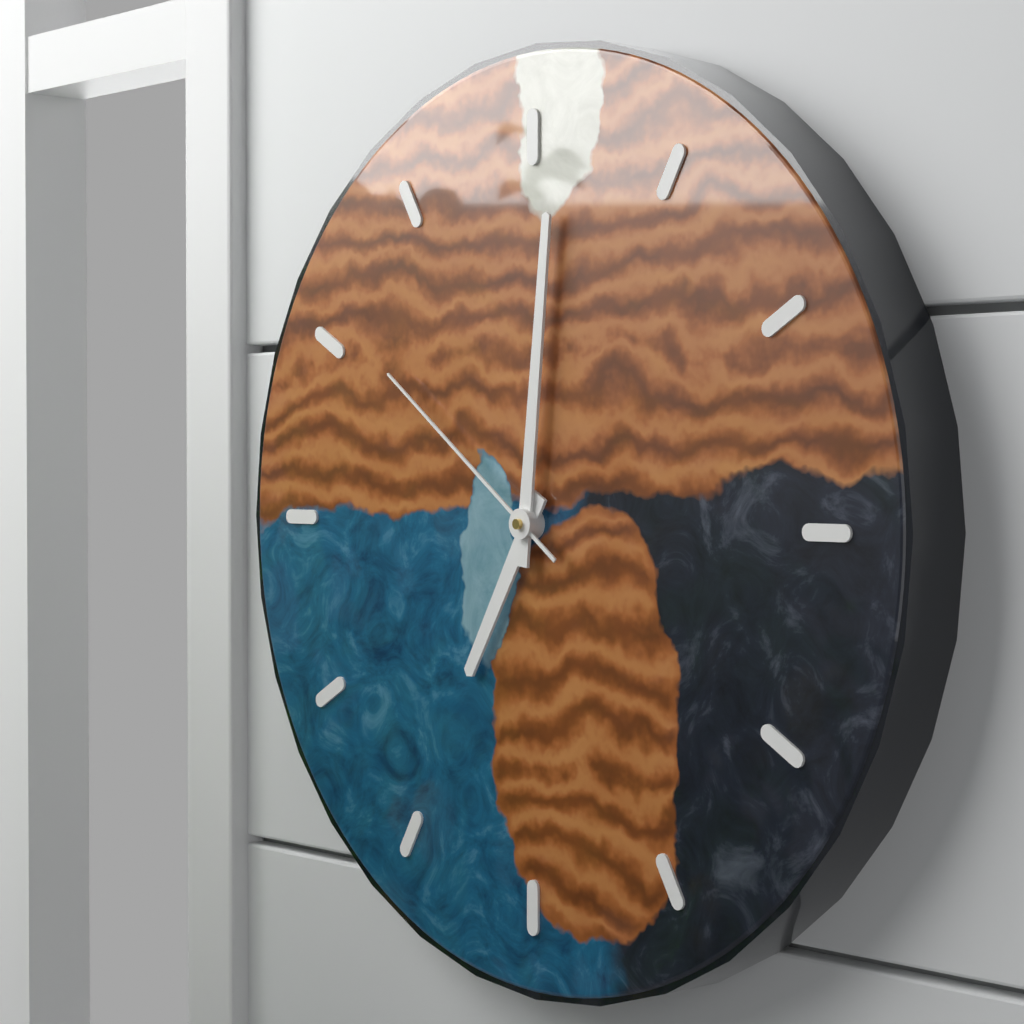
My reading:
h=7 m=1 s=51
